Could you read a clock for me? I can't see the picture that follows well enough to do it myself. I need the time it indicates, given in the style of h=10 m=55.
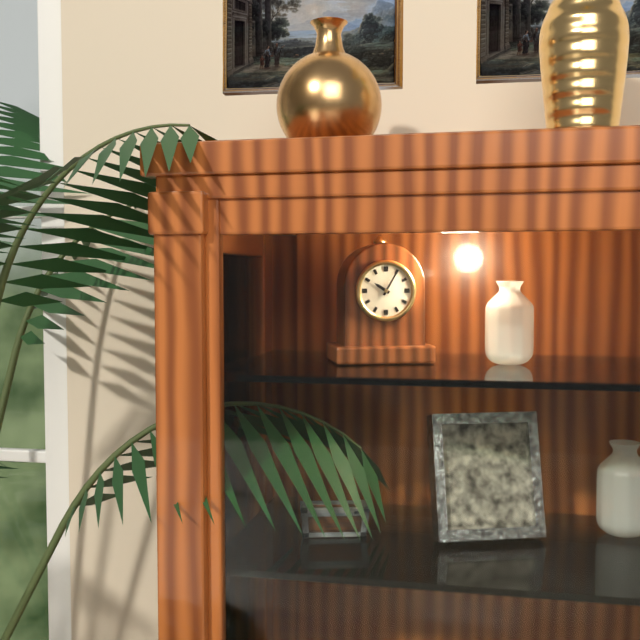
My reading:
h=10 m=5
